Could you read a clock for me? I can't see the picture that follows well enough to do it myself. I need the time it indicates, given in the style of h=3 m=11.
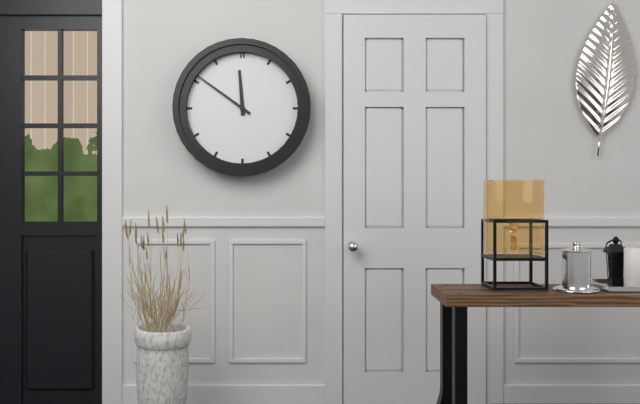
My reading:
h=11 m=51
